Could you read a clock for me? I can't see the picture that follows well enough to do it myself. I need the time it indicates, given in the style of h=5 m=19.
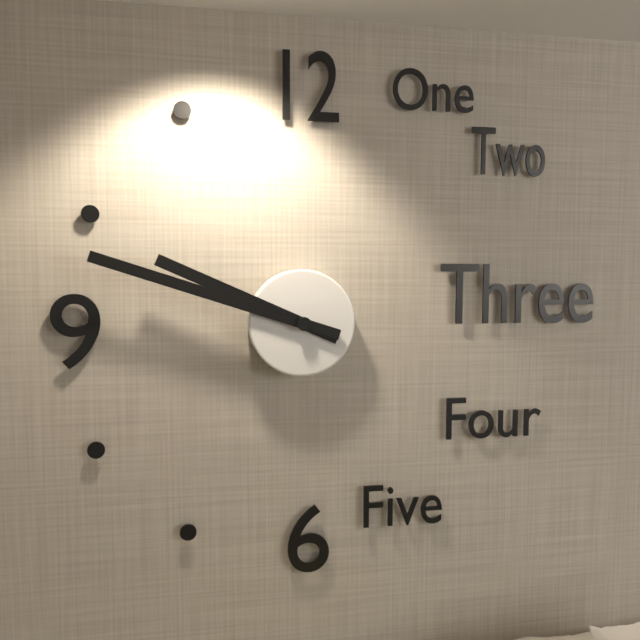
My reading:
h=9 m=48
